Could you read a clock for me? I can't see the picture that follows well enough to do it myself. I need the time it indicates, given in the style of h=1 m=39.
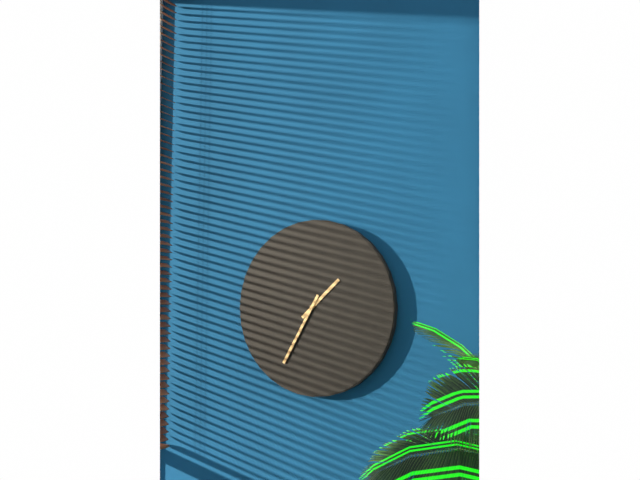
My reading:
h=1 m=35
